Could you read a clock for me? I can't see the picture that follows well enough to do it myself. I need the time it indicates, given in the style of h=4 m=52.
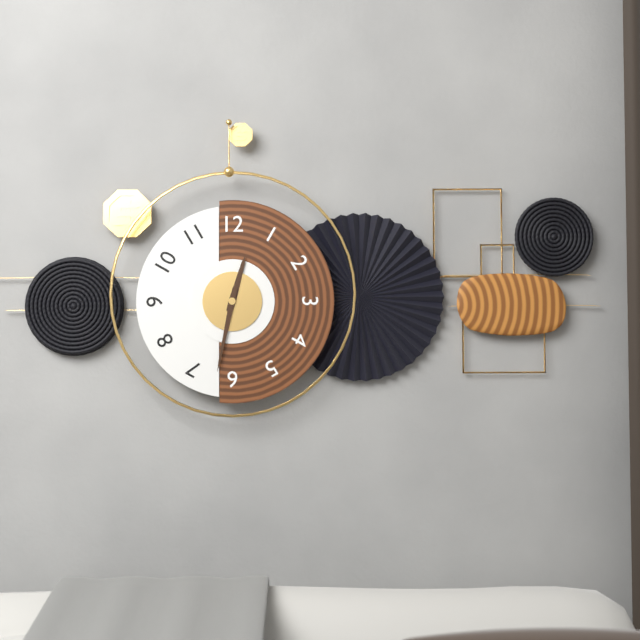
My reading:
h=12 m=32
